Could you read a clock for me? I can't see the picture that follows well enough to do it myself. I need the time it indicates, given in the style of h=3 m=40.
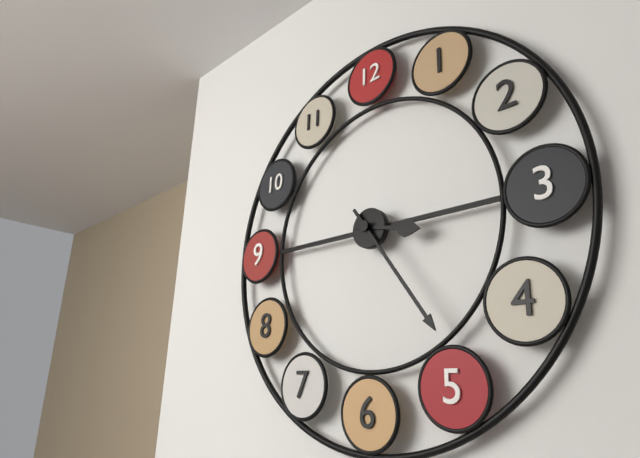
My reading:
h=3 m=24
